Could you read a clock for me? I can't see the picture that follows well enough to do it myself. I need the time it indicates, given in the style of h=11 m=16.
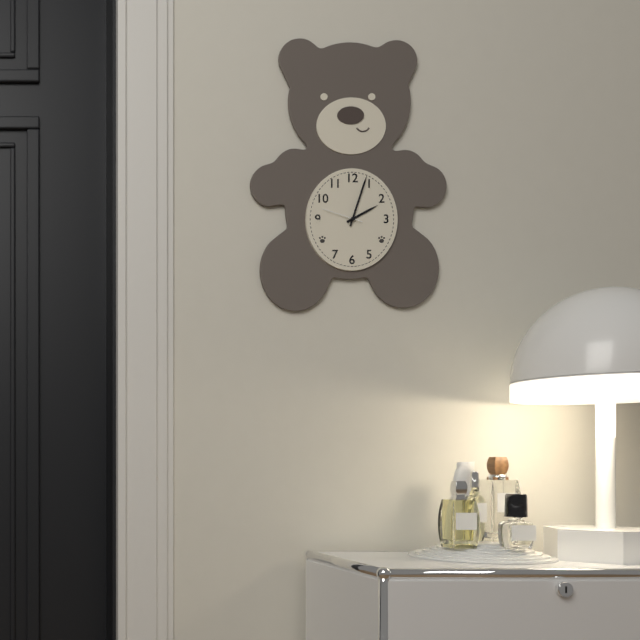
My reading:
h=2 m=3
